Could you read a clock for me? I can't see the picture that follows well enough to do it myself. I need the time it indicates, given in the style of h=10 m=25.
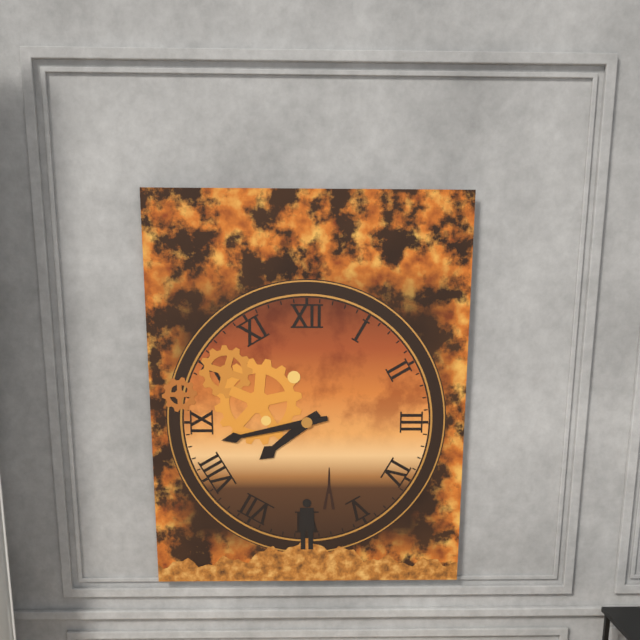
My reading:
h=7 m=43
